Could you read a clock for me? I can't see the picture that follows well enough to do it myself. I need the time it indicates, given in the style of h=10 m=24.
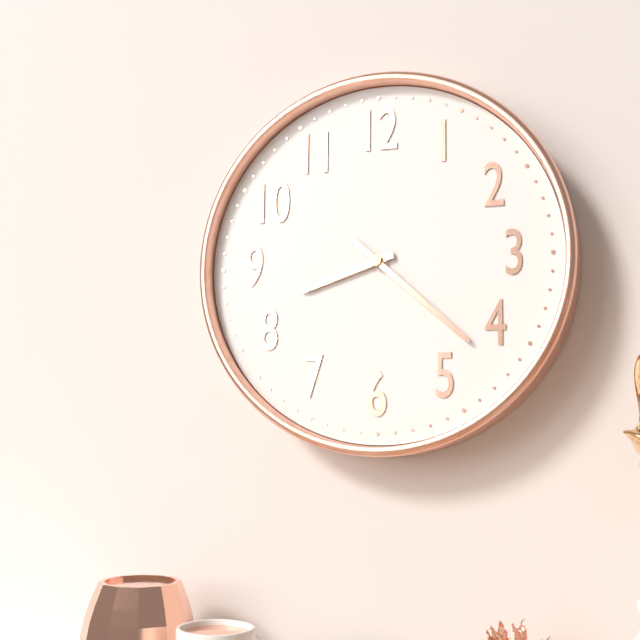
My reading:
h=8 m=22
